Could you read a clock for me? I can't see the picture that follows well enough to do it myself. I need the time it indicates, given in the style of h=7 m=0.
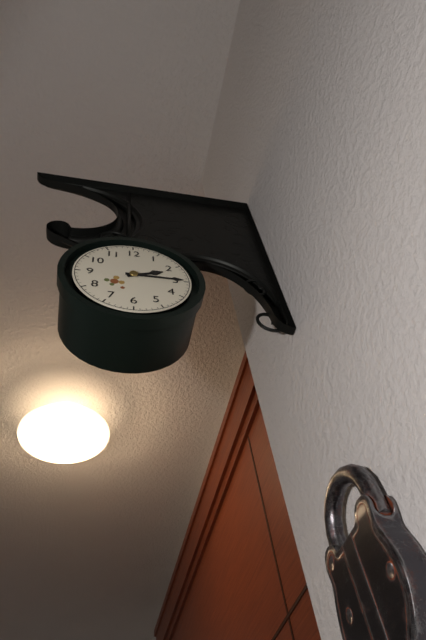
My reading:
h=2 m=15
